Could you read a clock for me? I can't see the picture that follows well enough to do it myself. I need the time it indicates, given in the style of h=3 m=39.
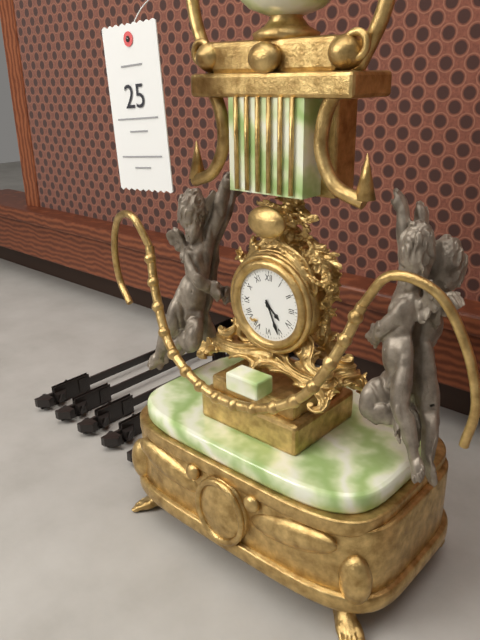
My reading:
h=4 m=26
